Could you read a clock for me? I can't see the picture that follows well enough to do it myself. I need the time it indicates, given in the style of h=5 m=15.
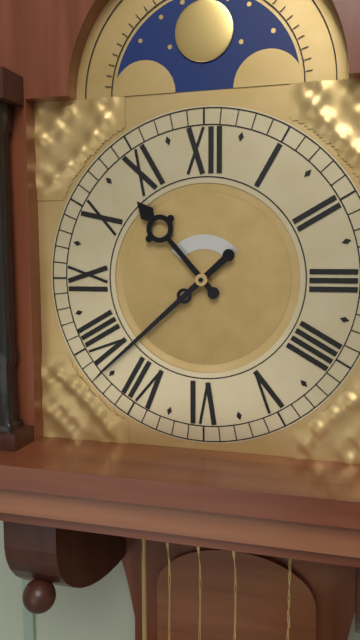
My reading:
h=10 m=38
